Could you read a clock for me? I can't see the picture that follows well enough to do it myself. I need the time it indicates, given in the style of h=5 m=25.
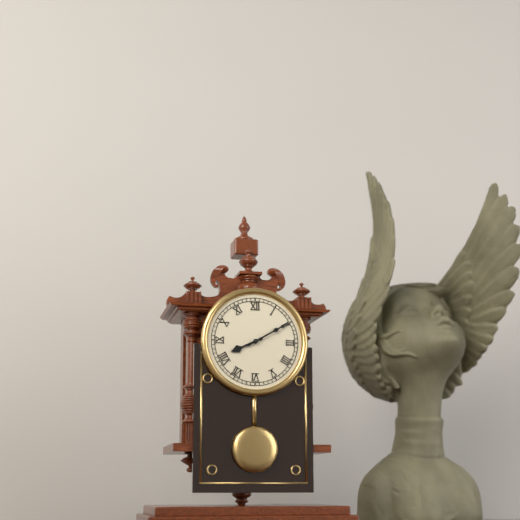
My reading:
h=8 m=10
